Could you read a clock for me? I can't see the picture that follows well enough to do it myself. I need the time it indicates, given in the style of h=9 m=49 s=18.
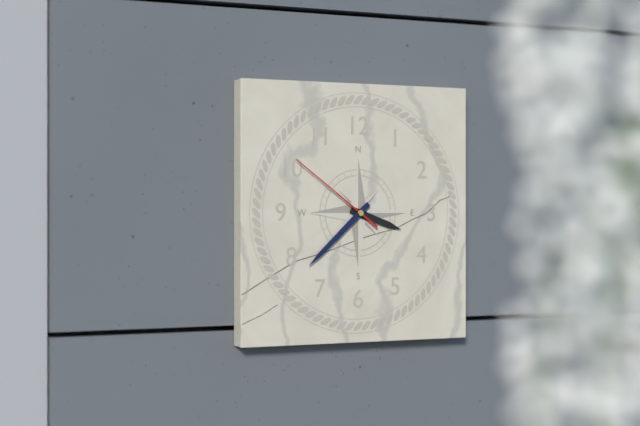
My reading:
h=3 m=38 s=51
